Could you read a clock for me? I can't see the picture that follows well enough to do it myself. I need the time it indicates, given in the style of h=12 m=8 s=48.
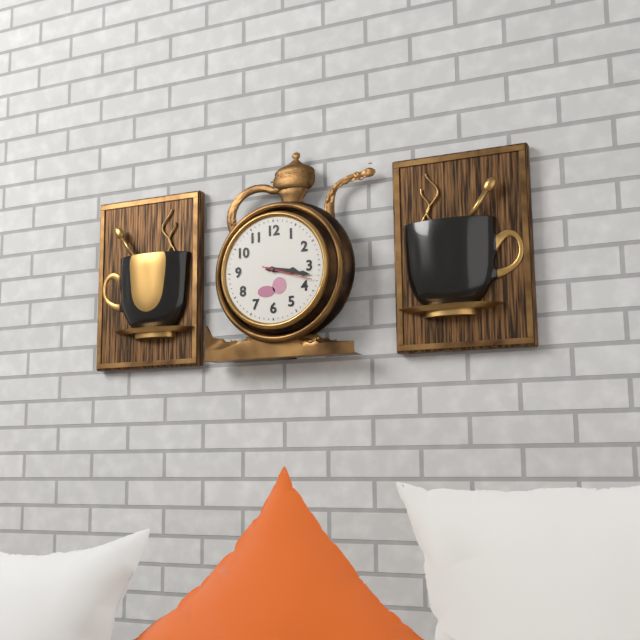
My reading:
h=3 m=17 s=18
